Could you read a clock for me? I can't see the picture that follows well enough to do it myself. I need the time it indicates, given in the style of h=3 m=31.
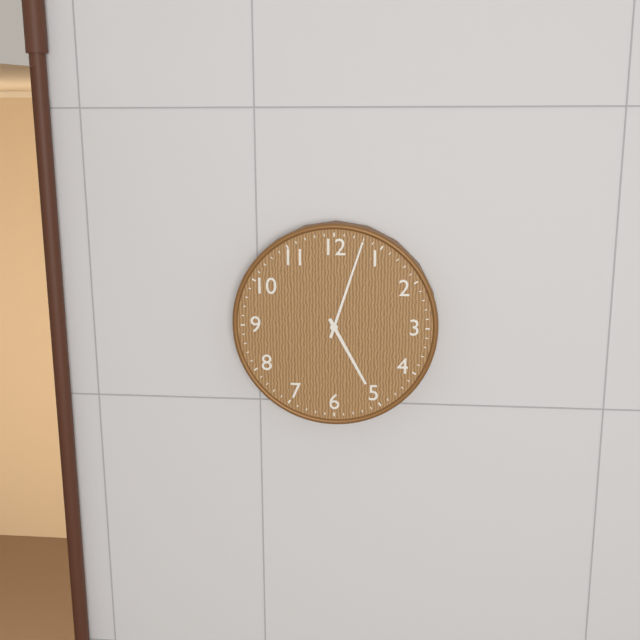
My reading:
h=5 m=3
